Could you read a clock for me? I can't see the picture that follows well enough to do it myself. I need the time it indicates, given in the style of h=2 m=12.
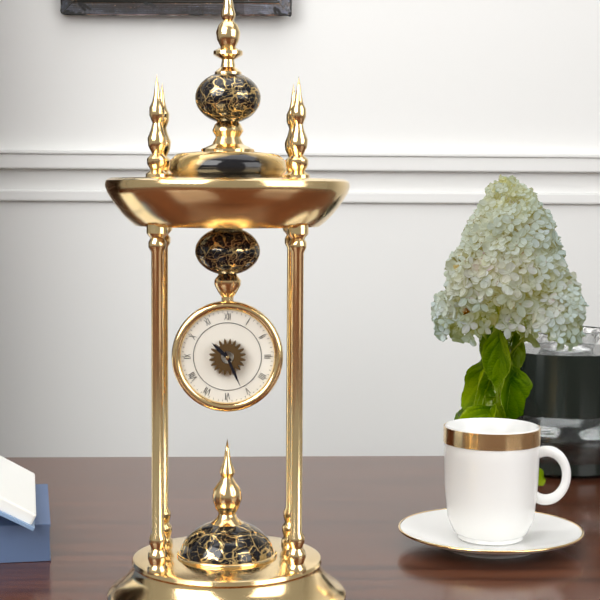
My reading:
h=10 m=26
